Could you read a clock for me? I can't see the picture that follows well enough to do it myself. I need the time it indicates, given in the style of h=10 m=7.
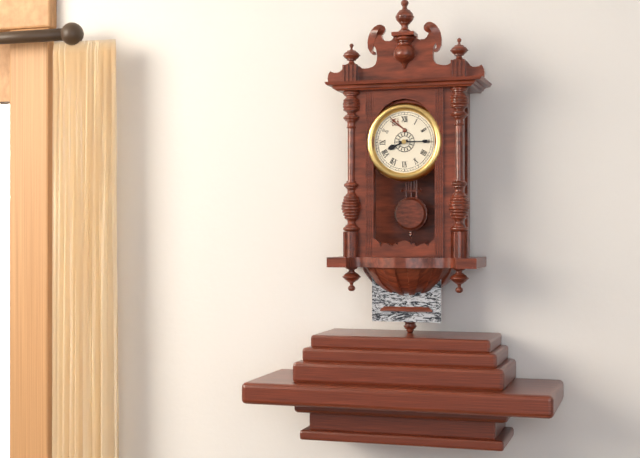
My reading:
h=8 m=15
